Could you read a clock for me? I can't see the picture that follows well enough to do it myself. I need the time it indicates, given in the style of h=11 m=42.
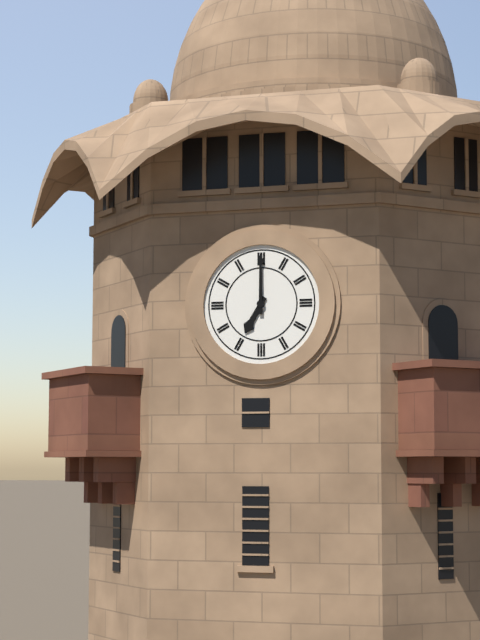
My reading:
h=7 m=0
